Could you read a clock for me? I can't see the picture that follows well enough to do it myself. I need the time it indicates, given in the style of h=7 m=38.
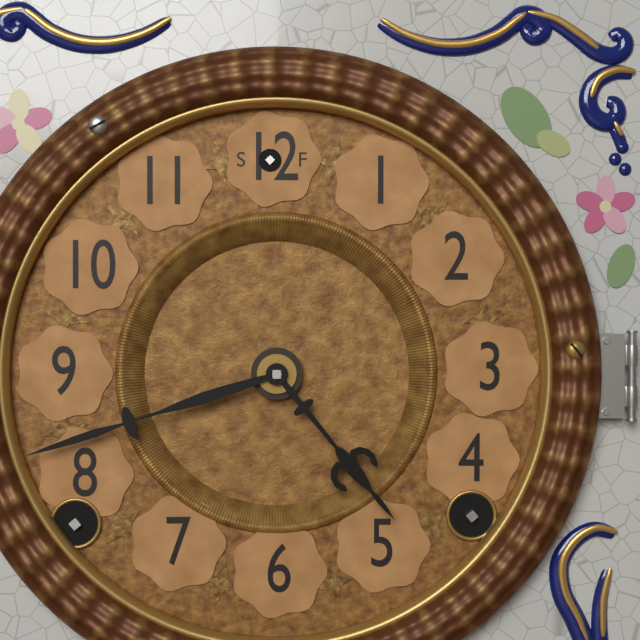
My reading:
h=4 m=42
